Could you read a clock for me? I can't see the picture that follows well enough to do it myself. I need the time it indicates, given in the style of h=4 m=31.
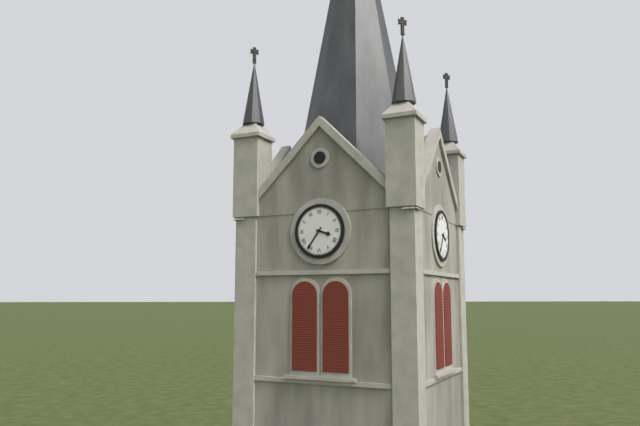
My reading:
h=3 m=36
